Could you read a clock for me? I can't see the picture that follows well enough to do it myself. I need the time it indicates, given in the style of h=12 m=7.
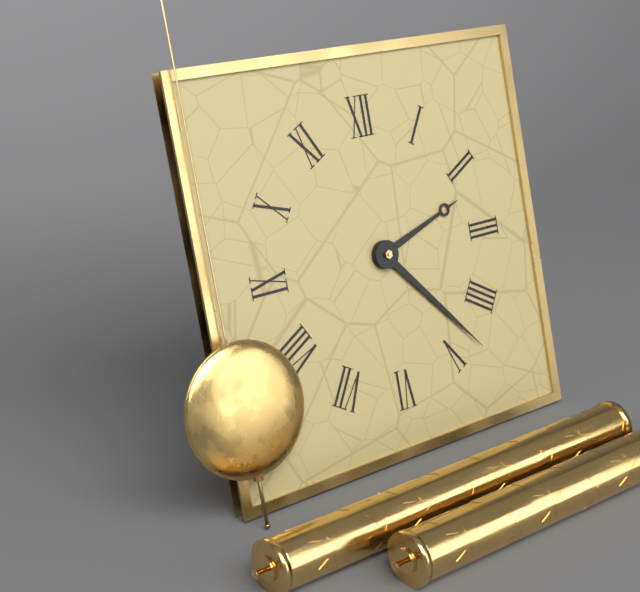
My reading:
h=2 m=23
